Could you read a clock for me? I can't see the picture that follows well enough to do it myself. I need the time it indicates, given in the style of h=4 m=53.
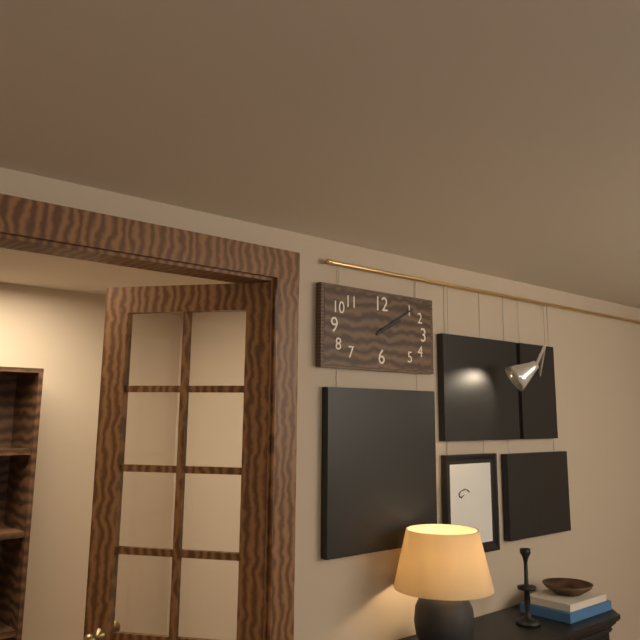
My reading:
h=2 m=10
